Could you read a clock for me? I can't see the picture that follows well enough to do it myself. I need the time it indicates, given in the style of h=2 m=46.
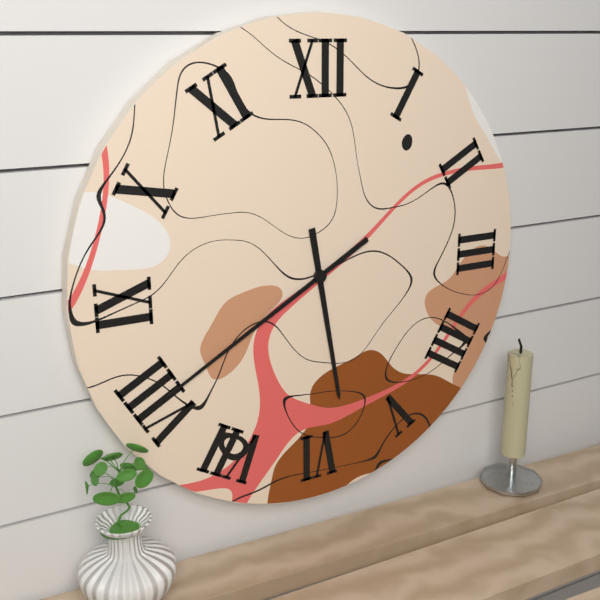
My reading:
h=5 m=40
